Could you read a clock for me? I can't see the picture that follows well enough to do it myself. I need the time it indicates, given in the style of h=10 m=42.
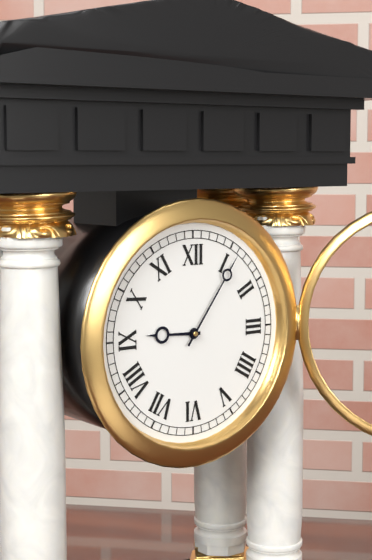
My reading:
h=9 m=6
